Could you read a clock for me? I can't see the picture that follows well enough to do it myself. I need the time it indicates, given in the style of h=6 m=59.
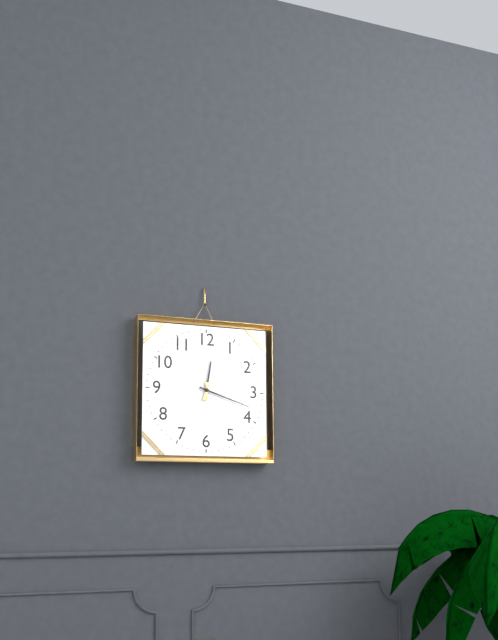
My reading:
h=12 m=18
